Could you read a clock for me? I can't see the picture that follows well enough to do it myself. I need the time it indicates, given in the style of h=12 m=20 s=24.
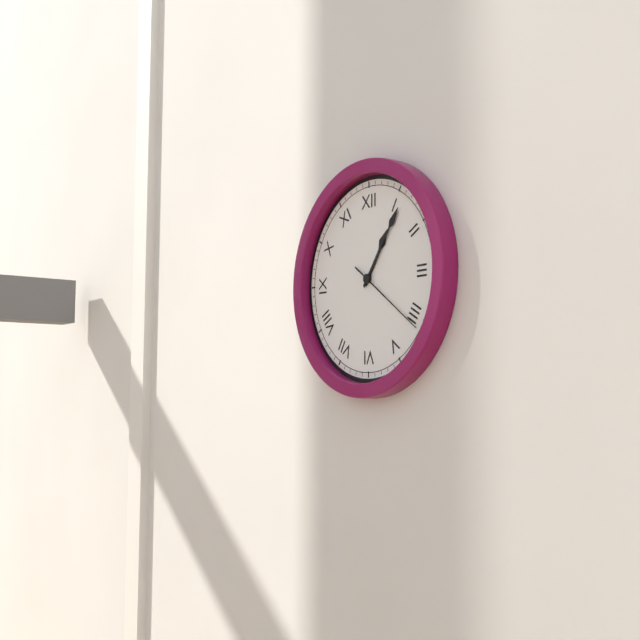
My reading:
h=1 m=6 s=21
